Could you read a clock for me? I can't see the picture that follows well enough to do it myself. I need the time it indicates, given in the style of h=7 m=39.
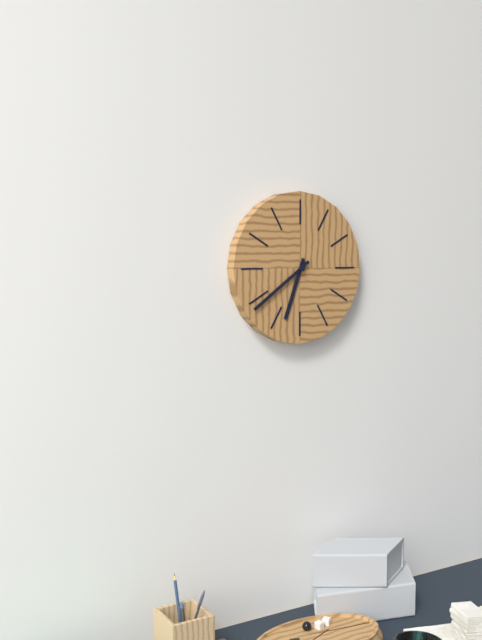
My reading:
h=6 m=39
